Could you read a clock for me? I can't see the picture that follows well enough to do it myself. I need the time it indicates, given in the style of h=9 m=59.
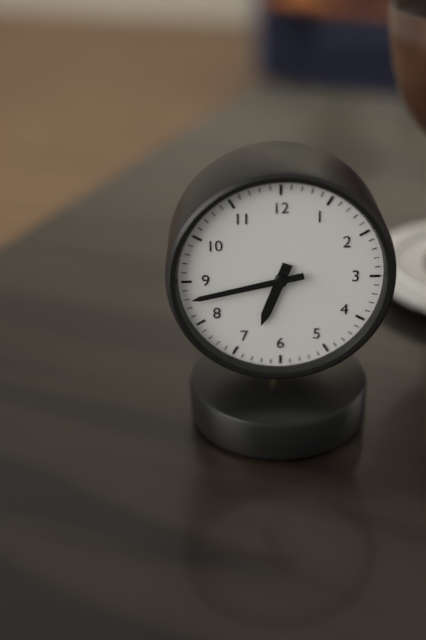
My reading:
h=6 m=43
